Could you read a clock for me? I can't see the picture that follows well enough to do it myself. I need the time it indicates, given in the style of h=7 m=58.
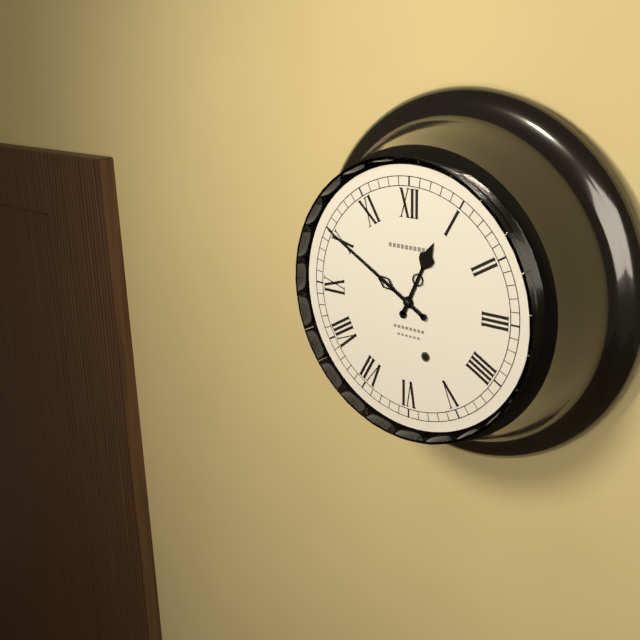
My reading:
h=12 m=50
